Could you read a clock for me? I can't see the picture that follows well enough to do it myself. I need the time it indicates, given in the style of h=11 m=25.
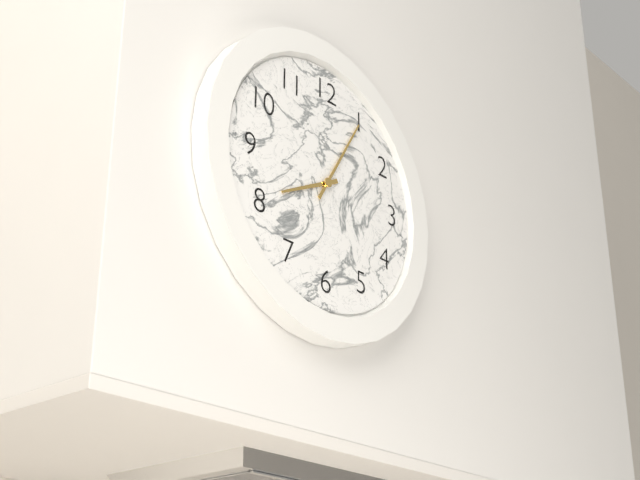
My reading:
h=8 m=5
